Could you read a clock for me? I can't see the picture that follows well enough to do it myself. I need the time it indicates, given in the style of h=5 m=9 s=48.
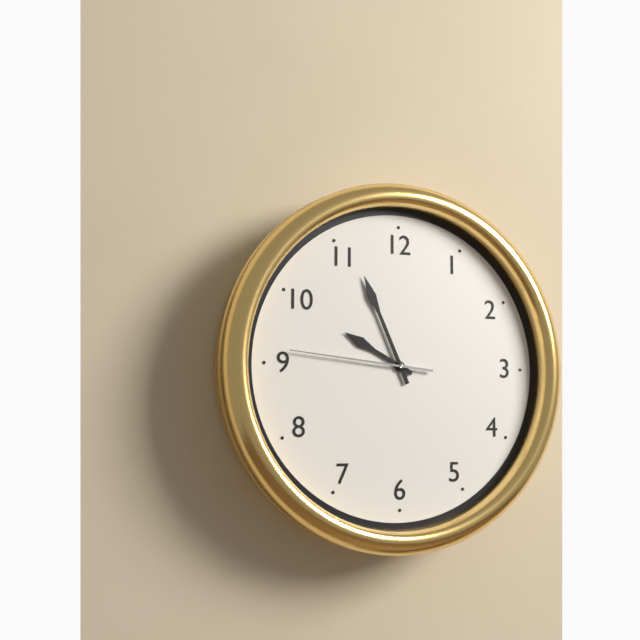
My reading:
h=9 m=56 s=46
